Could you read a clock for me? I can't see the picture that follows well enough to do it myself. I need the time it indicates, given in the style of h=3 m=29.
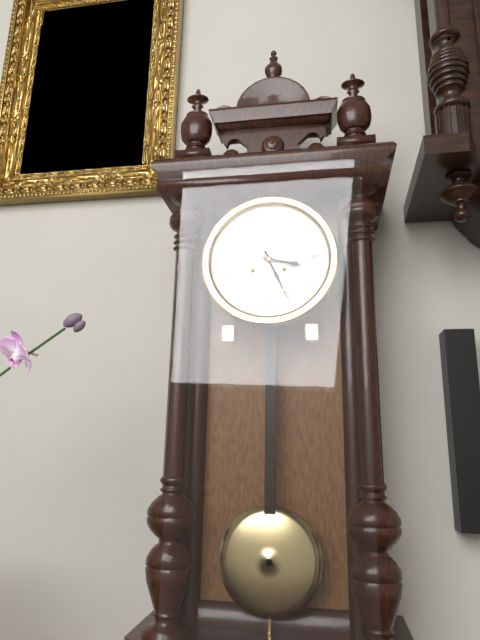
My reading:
h=3 m=26
